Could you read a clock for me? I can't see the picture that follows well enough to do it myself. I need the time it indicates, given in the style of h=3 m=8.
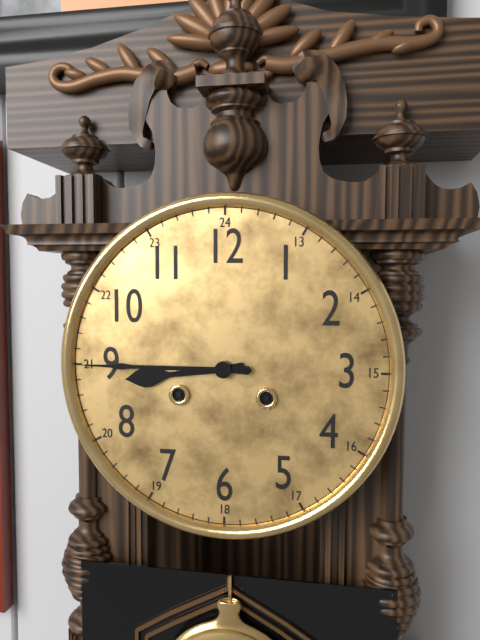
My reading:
h=8 m=45
